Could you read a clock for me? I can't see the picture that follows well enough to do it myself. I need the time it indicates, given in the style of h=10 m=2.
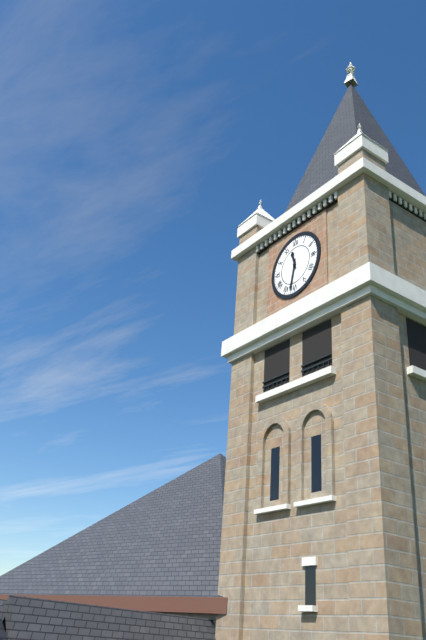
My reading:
h=11 m=32
